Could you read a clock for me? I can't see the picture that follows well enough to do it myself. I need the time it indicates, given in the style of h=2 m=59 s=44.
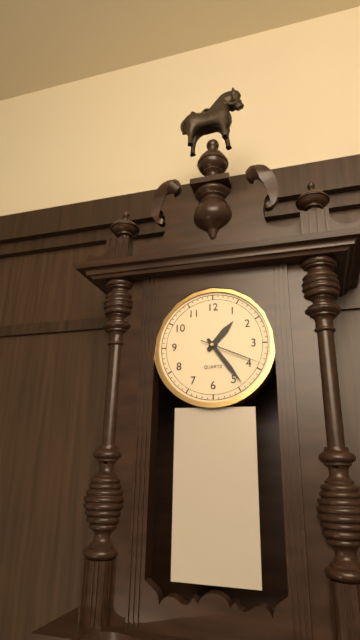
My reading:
h=1 m=24 s=19
